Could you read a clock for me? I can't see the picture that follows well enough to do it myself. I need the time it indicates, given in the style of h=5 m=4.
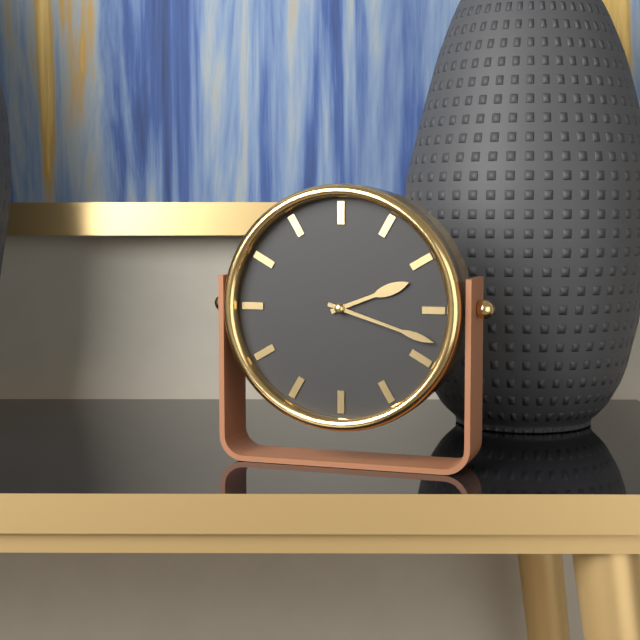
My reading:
h=2 m=18
